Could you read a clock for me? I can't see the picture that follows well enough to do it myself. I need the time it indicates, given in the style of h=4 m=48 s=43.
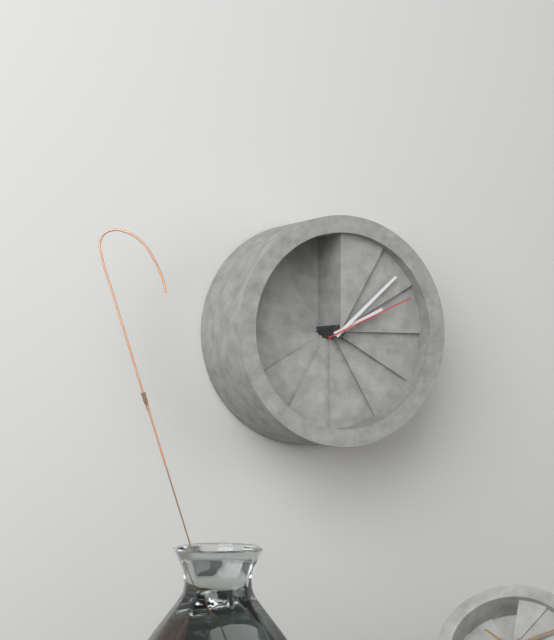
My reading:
h=2 m=8 s=11
